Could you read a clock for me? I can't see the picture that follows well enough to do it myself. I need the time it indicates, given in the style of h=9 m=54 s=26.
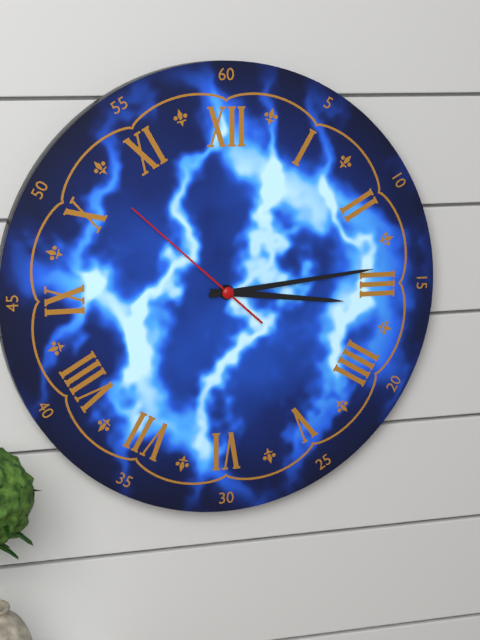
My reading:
h=3 m=14 s=52
